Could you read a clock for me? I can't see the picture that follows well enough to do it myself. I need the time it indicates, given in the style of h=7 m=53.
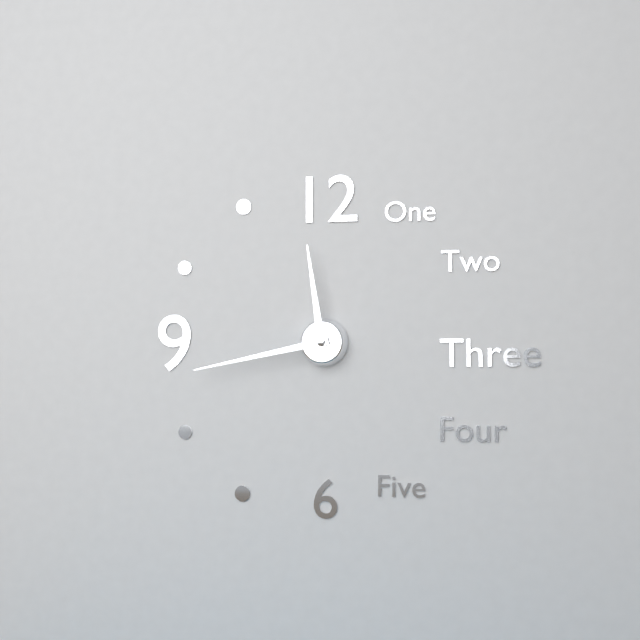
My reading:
h=11 m=43
